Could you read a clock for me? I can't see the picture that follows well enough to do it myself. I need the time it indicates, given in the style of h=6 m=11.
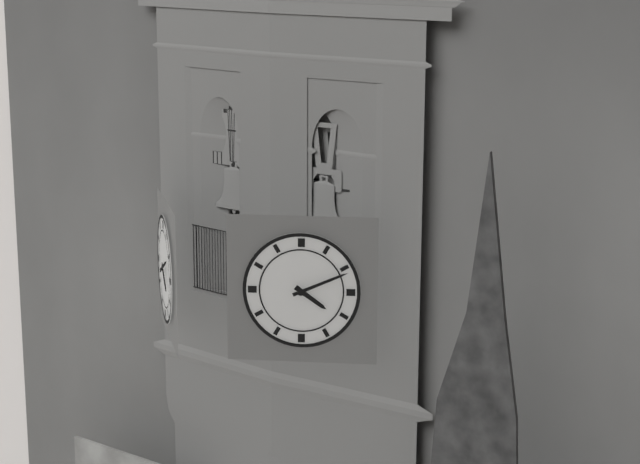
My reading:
h=4 m=11
